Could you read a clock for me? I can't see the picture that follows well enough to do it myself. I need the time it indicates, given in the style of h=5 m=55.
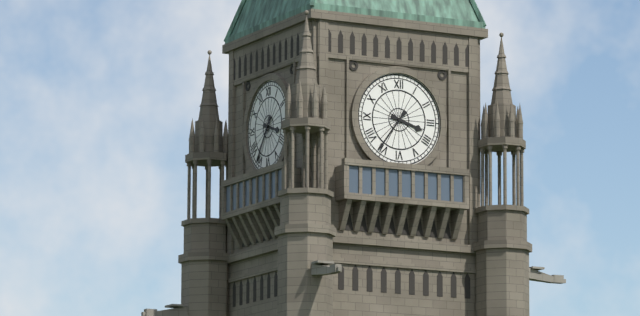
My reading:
h=3 m=36
